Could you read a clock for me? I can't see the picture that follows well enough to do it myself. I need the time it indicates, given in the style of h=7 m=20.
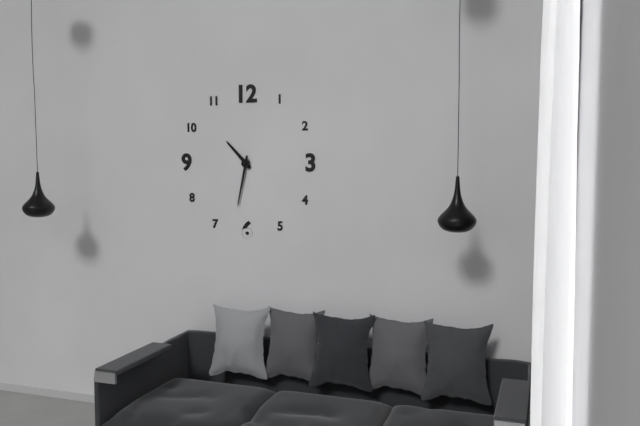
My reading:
h=10 m=32
